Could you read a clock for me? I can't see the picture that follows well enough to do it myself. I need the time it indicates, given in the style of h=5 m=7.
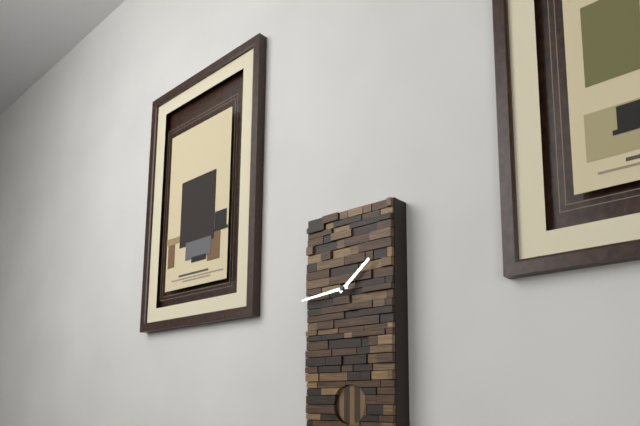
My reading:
h=1 m=44
